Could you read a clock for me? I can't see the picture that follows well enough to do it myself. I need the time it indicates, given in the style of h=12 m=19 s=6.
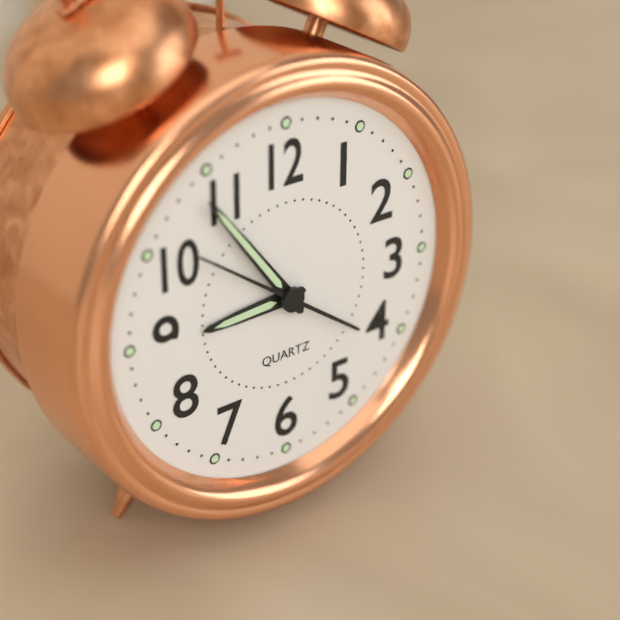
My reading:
h=8 m=54 s=51
